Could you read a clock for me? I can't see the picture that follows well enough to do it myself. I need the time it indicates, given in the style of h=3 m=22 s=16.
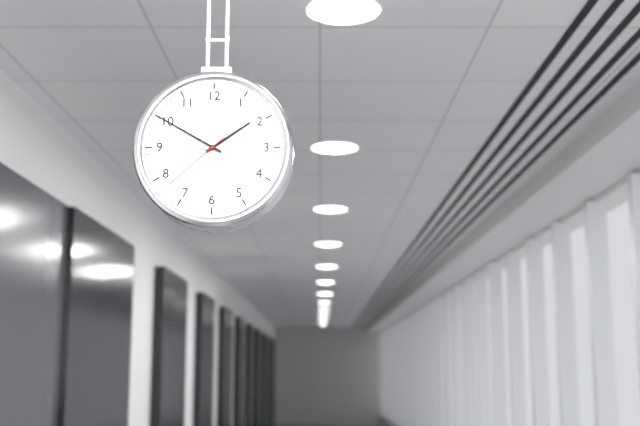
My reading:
h=1 m=50 s=38
